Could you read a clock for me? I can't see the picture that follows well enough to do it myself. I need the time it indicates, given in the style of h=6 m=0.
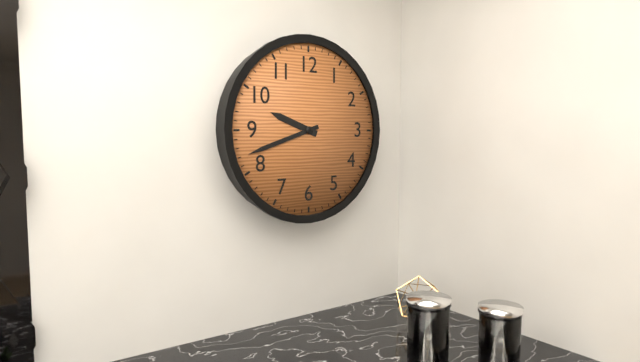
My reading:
h=9 m=42
